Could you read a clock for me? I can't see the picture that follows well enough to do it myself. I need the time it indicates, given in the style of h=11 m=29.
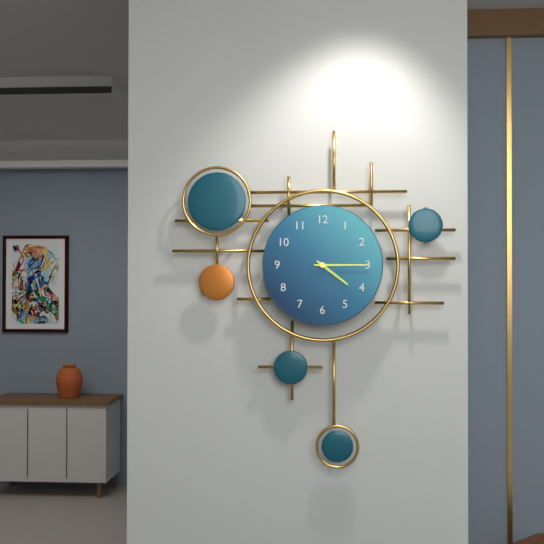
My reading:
h=4 m=15
